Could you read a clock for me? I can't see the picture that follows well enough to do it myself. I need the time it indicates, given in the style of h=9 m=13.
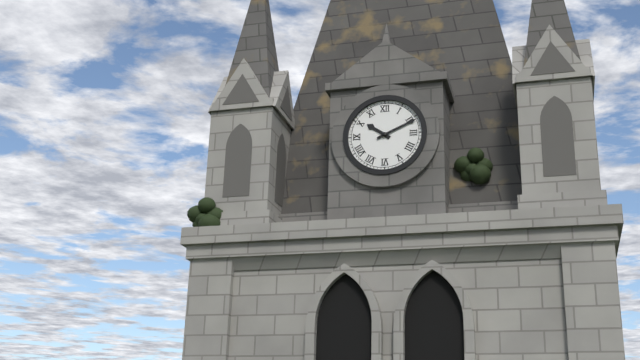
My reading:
h=10 m=11
